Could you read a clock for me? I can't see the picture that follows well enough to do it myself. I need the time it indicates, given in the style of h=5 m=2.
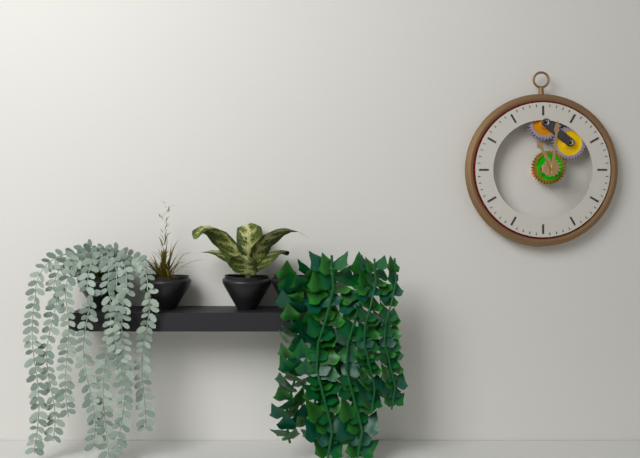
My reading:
h=11 m=1
